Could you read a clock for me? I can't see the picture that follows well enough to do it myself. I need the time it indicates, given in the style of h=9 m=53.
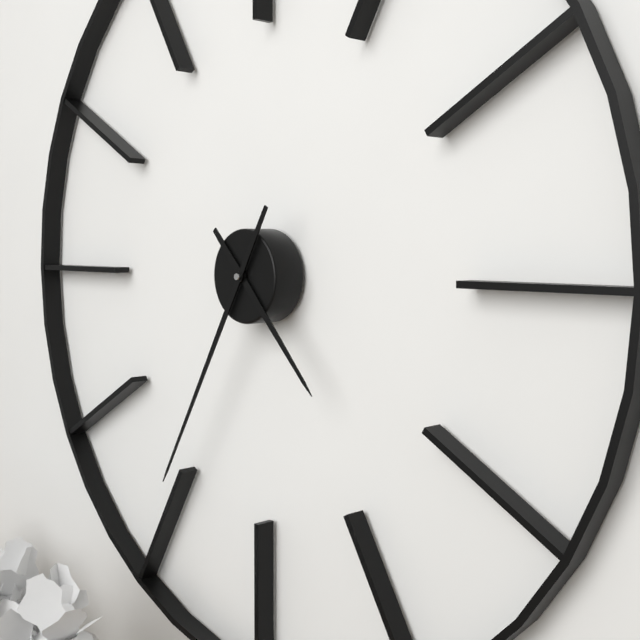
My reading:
h=4 m=35
